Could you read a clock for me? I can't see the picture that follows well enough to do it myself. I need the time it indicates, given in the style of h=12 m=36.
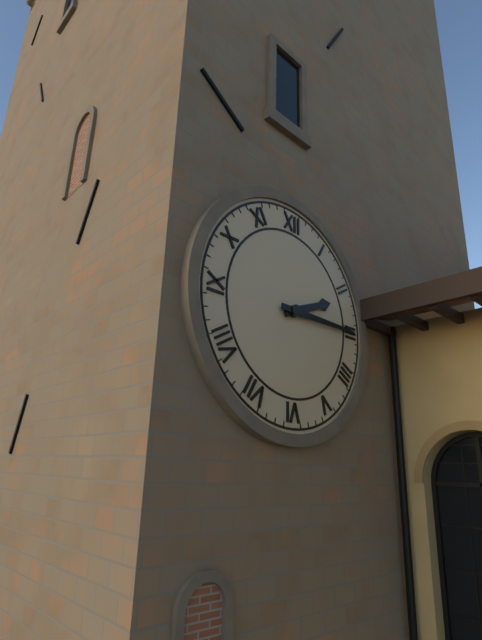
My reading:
h=2 m=15
